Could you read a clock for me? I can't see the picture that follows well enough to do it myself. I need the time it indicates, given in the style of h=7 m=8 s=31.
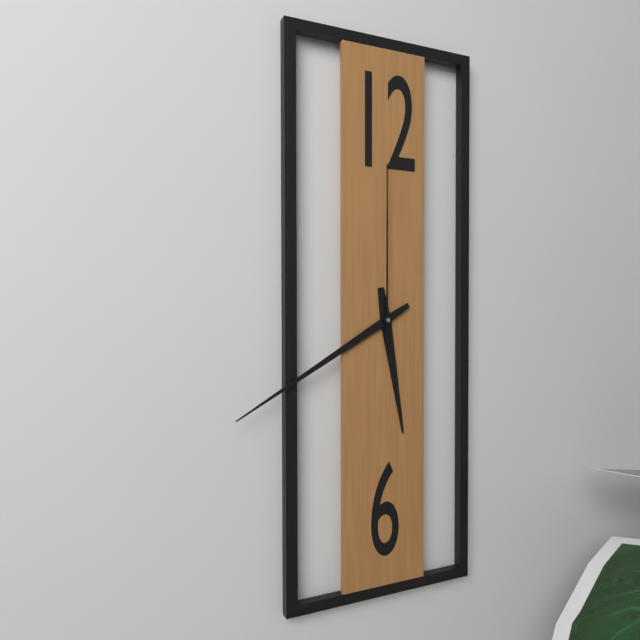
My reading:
h=5 m=40 s=0
